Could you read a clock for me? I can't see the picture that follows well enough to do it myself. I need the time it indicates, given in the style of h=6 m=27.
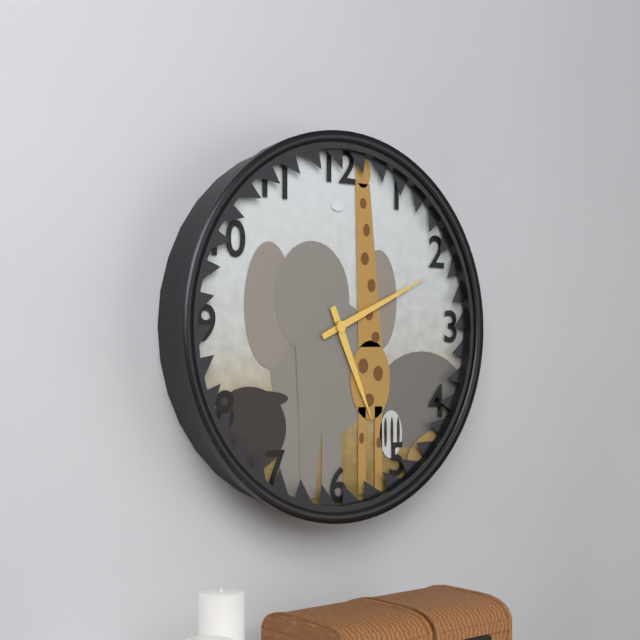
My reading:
h=5 m=11
